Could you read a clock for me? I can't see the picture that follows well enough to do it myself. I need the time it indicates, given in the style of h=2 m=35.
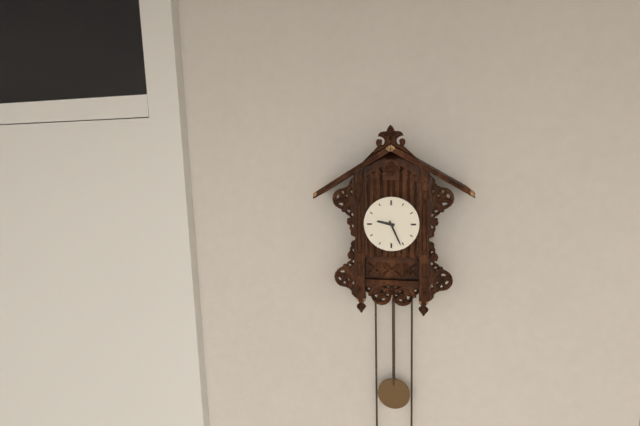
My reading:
h=9 m=26
